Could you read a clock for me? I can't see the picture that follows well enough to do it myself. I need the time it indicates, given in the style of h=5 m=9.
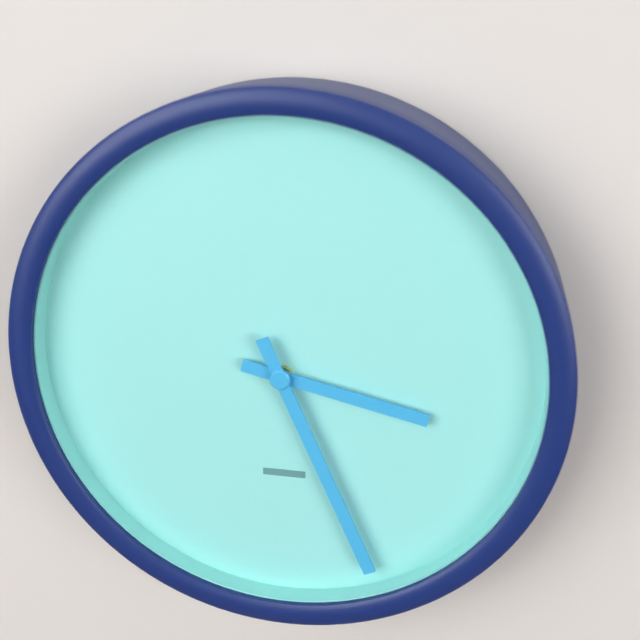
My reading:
h=3 m=26
